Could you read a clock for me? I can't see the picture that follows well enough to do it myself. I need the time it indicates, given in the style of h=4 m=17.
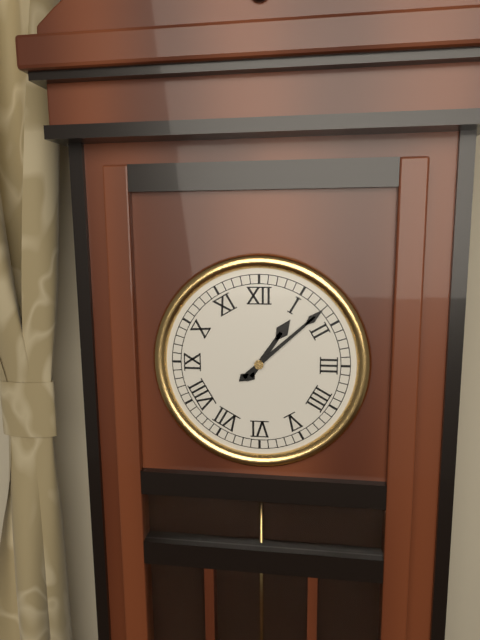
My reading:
h=1 m=8
